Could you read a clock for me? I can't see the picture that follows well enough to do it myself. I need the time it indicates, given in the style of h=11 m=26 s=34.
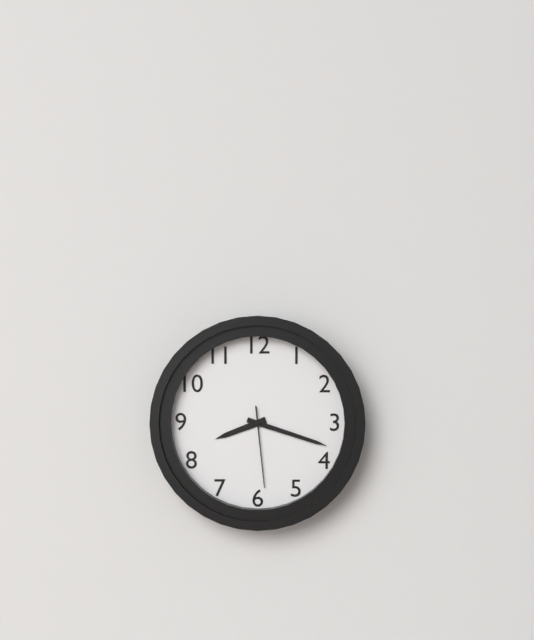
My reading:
h=8 m=18 s=29
